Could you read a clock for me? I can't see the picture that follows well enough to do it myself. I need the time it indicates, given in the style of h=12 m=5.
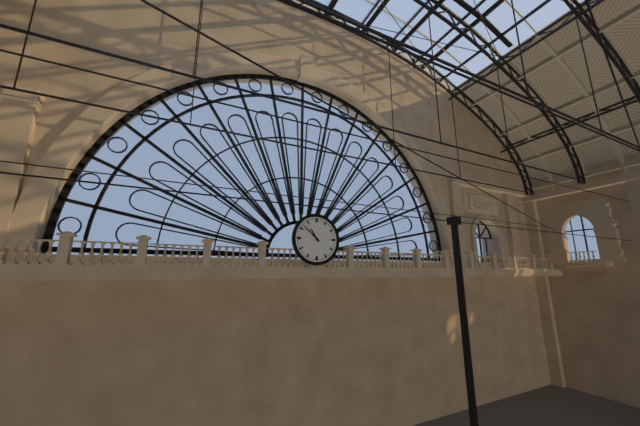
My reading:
h=10 m=52
